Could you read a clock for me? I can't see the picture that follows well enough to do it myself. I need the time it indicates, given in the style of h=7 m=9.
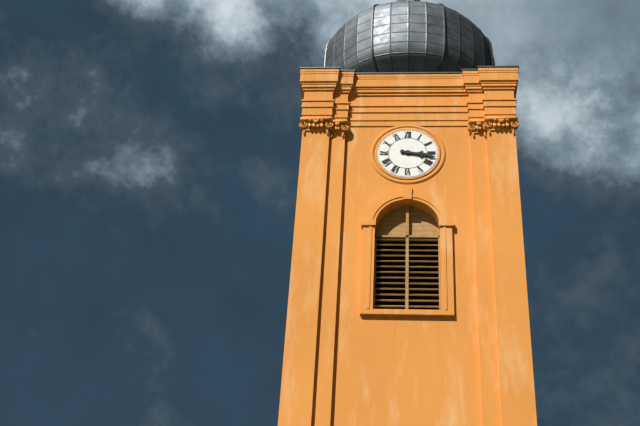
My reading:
h=3 m=17
